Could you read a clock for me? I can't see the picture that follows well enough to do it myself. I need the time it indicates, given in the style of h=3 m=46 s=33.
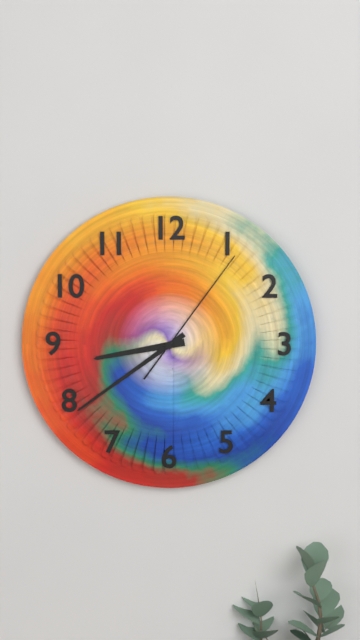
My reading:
h=8 m=39 s=6
